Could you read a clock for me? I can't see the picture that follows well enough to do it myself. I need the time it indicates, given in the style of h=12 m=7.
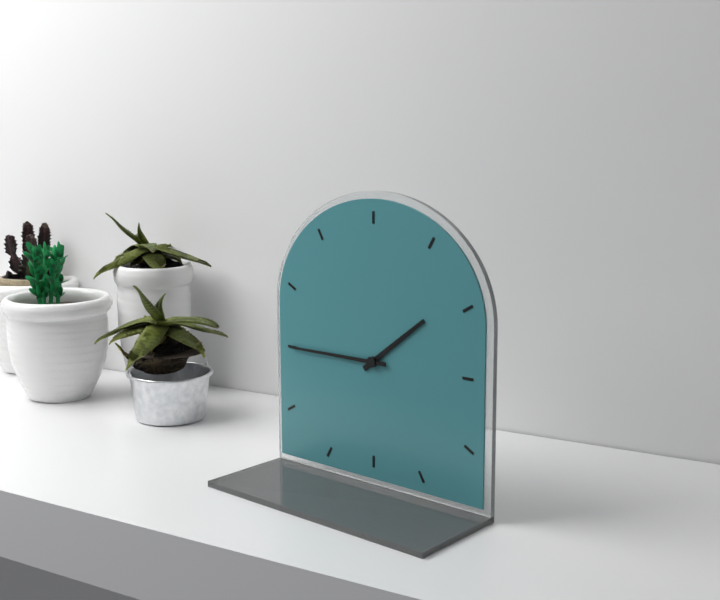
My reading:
h=1 m=45
